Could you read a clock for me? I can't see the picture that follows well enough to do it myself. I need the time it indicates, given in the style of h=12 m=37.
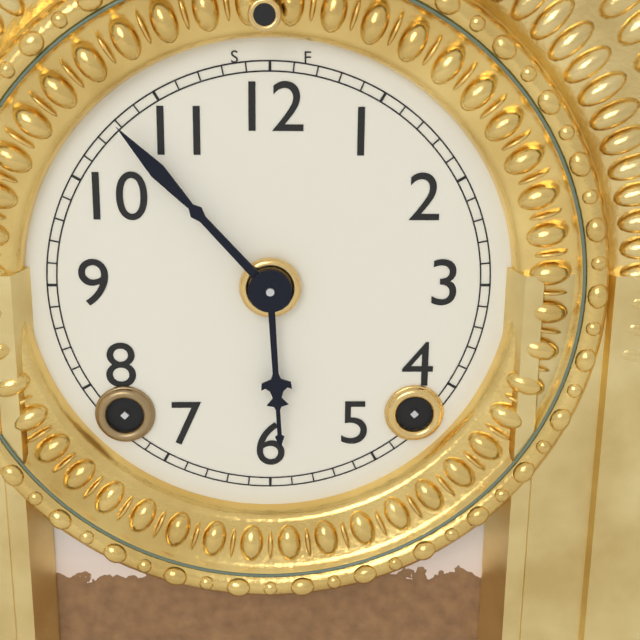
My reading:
h=5 m=53
